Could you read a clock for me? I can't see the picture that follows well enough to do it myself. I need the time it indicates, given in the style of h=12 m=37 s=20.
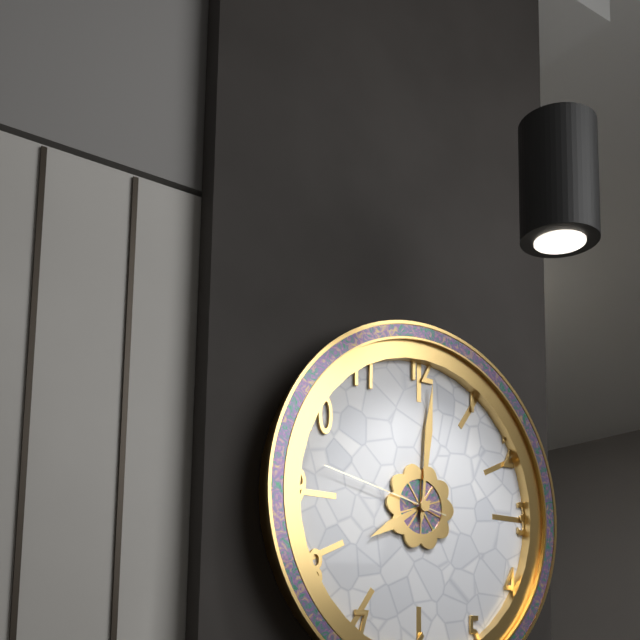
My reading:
h=8 m=1 s=47
